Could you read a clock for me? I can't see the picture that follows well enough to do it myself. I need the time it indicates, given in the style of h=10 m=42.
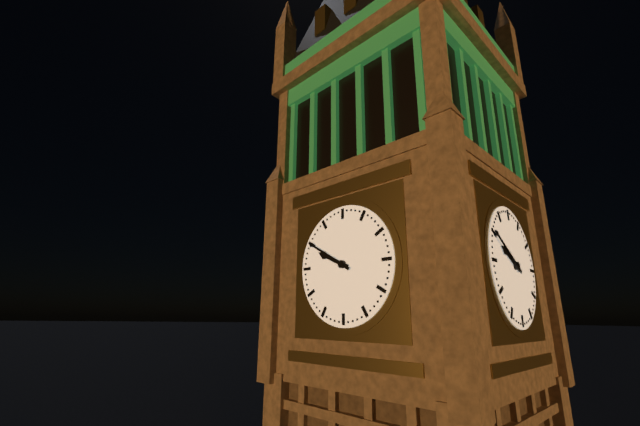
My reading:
h=9 m=50
